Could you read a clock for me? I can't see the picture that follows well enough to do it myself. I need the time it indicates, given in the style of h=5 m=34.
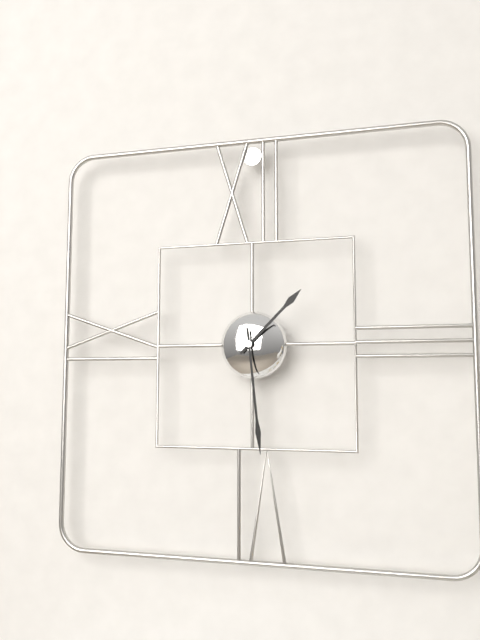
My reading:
h=1 m=29
